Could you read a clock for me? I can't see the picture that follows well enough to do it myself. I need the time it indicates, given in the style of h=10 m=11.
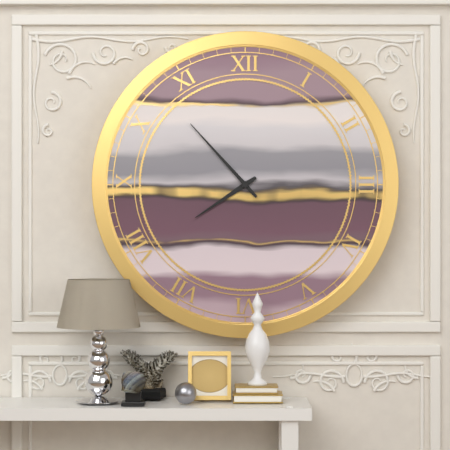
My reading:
h=7 m=53
